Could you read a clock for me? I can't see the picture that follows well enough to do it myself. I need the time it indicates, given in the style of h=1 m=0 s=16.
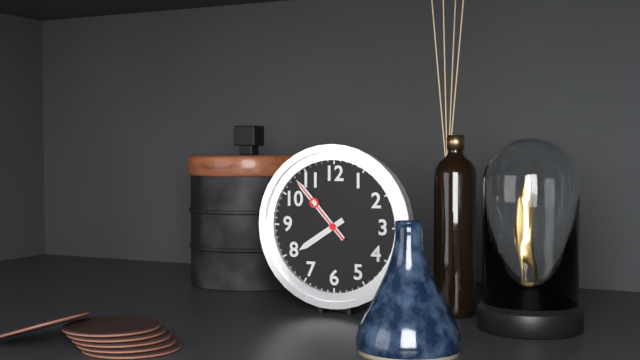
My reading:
h=7 m=53 s=53
